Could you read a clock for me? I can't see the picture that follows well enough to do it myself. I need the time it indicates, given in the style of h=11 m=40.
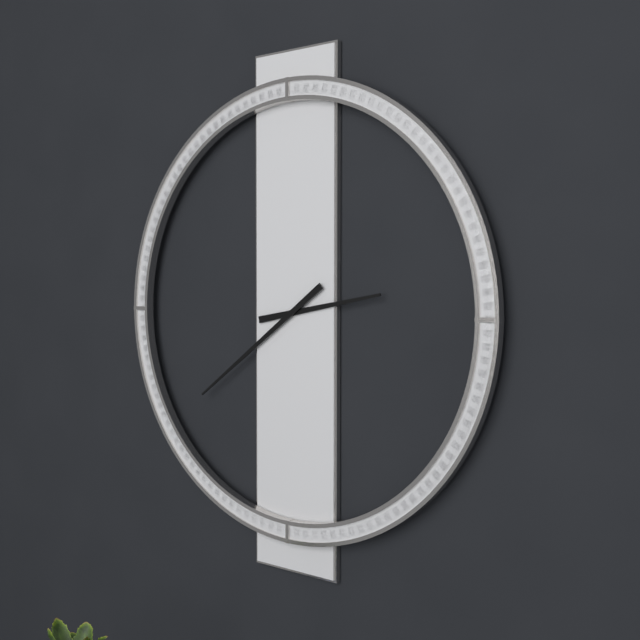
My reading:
h=2 m=39
